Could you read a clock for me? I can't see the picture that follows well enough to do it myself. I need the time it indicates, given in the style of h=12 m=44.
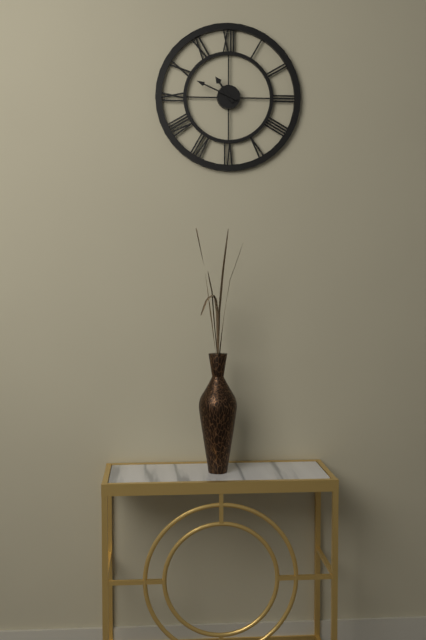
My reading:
h=10 m=49
